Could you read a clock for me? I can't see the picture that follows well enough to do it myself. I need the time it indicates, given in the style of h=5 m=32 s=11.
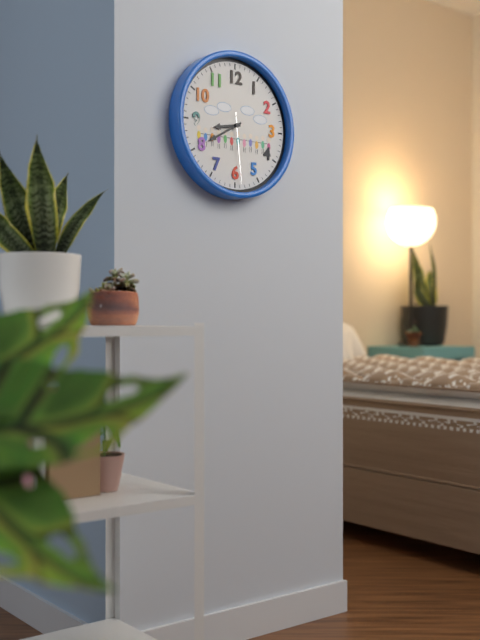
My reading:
h=8 m=40 s=29
